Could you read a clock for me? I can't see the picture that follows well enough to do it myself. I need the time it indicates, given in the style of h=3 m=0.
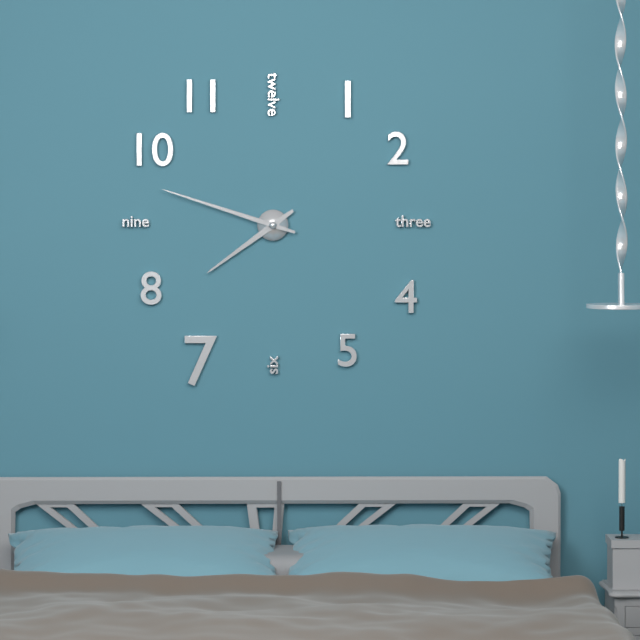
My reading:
h=7 m=48
